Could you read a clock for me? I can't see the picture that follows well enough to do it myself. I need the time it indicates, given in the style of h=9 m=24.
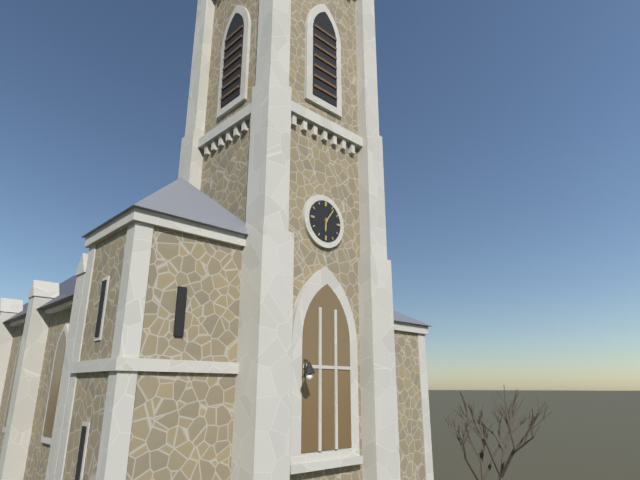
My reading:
h=6 m=6
